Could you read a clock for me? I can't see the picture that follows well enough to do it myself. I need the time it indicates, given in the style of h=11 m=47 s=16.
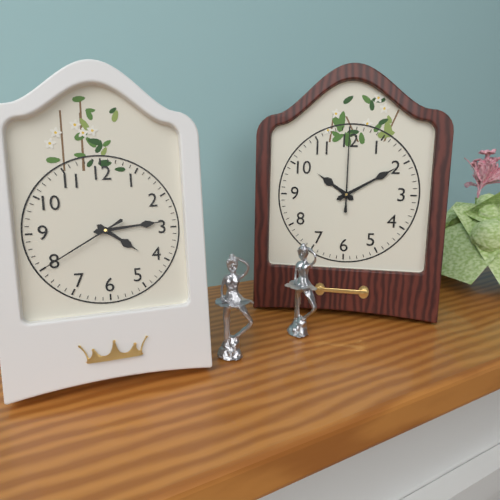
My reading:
h=4 m=14 s=40
